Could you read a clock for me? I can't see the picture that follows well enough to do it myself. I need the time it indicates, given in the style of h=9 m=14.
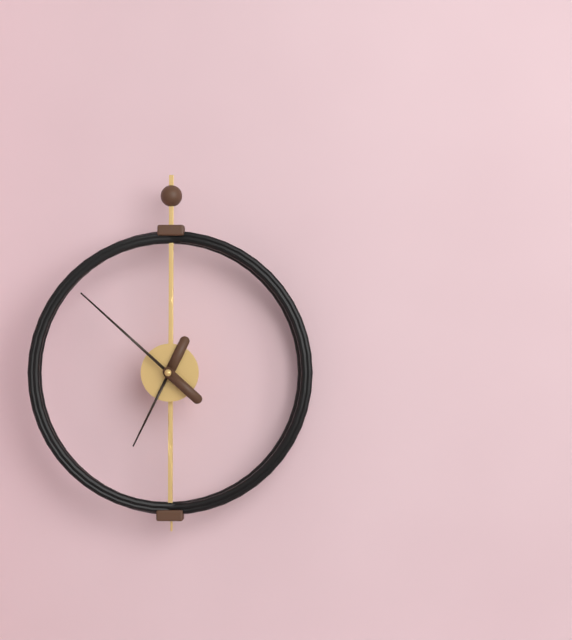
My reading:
h=6 m=52
